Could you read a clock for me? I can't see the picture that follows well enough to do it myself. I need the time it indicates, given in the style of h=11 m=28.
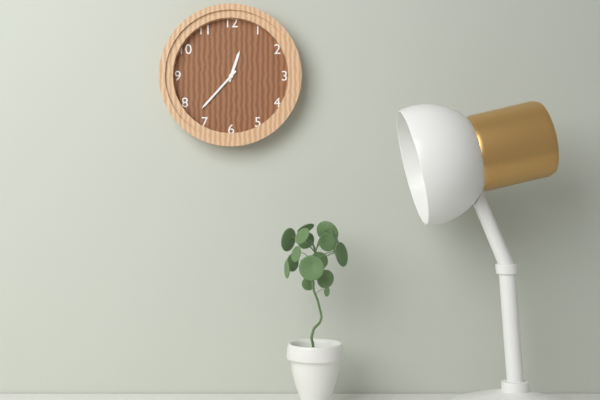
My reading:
h=12 m=37
